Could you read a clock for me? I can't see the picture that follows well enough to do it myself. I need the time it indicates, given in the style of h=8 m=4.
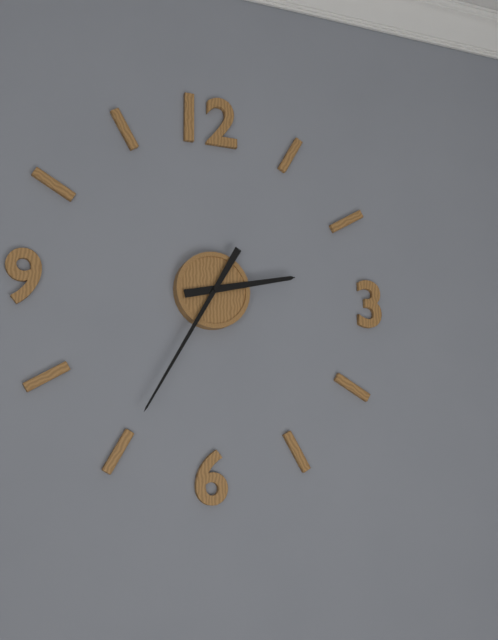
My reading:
h=2 m=35
